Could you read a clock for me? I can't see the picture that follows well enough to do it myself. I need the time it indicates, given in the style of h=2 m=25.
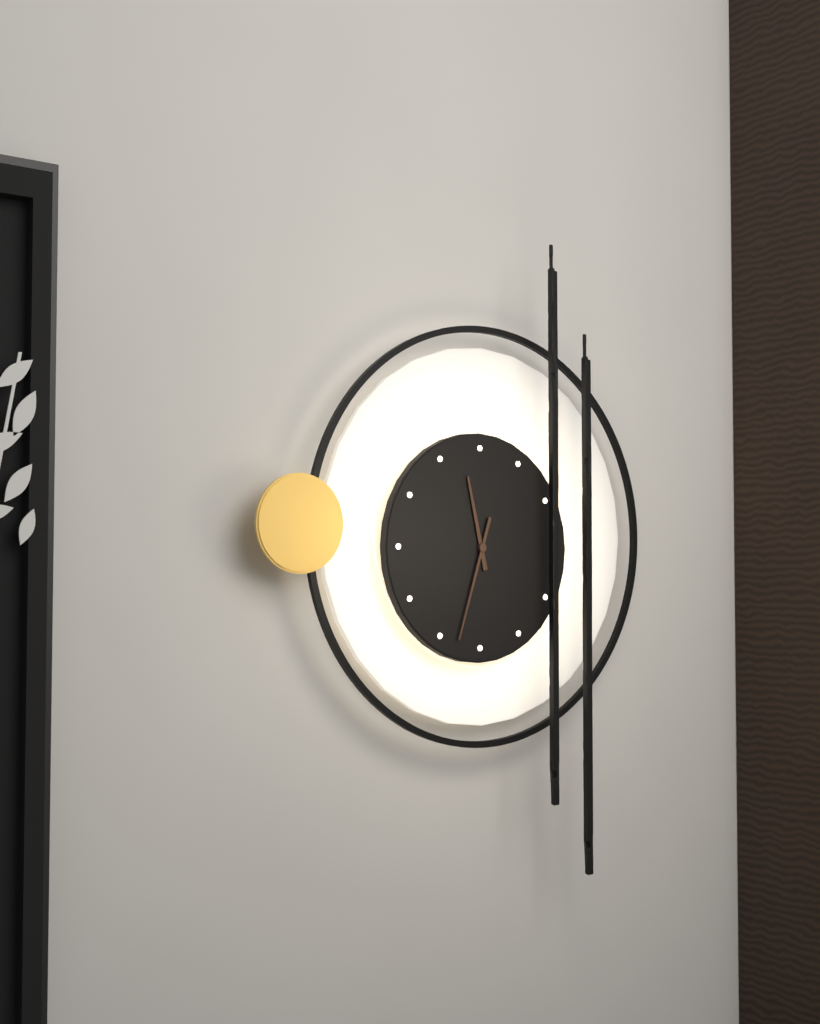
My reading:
h=11 m=33
